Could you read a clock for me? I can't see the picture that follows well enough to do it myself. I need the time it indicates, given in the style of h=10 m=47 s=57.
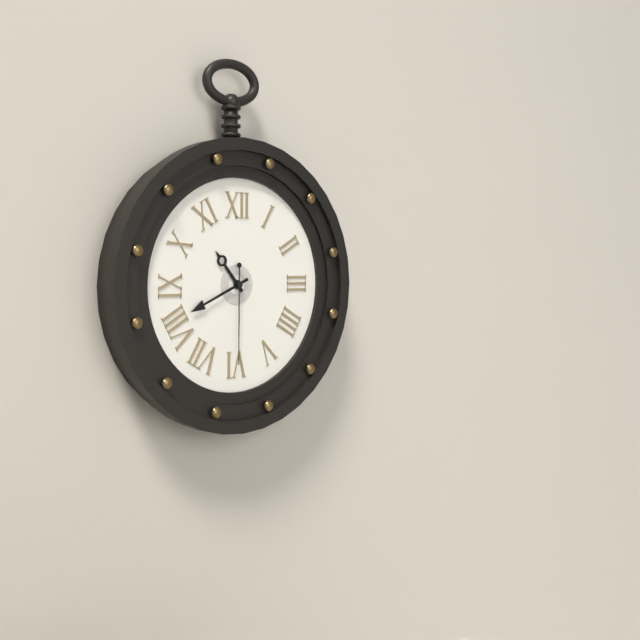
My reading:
h=10 m=41 s=30
